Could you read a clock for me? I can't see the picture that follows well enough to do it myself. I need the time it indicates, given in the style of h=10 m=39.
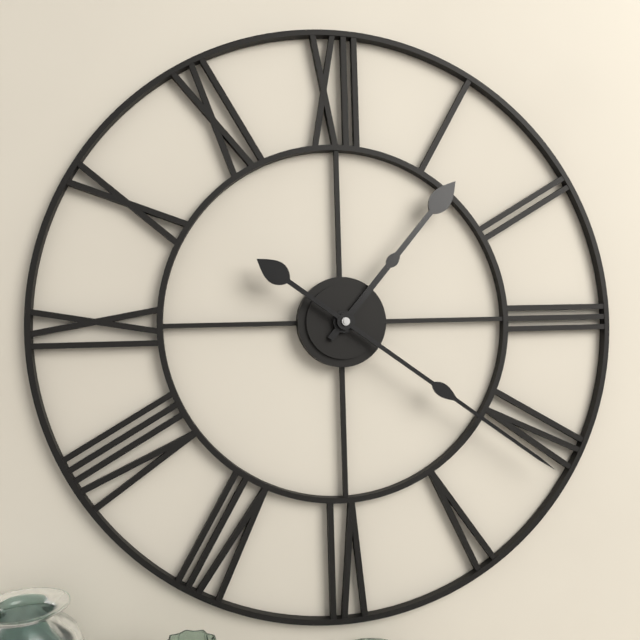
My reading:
h=1 m=21
